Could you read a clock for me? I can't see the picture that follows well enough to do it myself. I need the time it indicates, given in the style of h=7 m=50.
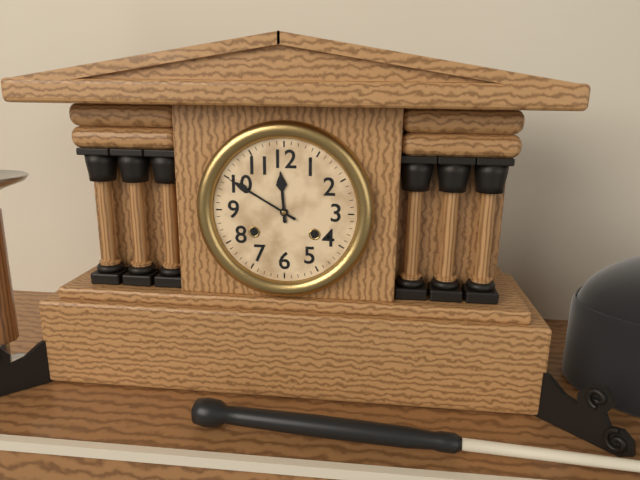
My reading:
h=11 m=50
